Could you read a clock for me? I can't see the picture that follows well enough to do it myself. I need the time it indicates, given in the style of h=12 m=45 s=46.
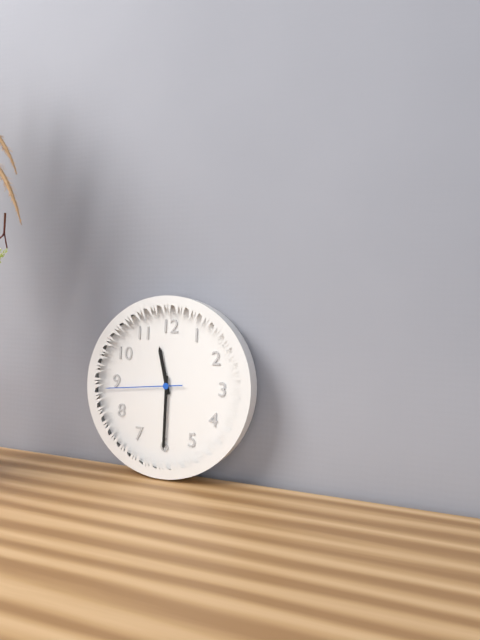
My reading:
h=11 m=30 s=44
